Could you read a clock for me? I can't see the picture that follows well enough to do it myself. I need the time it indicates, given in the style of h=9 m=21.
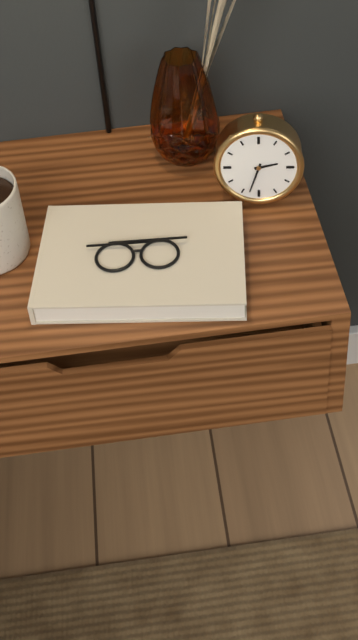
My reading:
h=2 m=33
